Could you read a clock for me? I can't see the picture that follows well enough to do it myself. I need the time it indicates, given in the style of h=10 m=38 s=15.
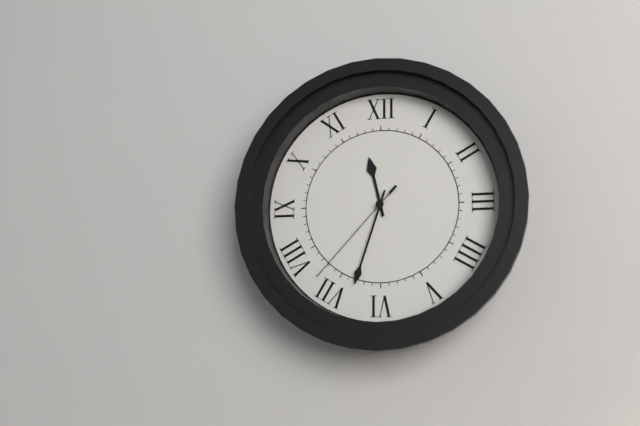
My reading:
h=11 m=33 s=37
